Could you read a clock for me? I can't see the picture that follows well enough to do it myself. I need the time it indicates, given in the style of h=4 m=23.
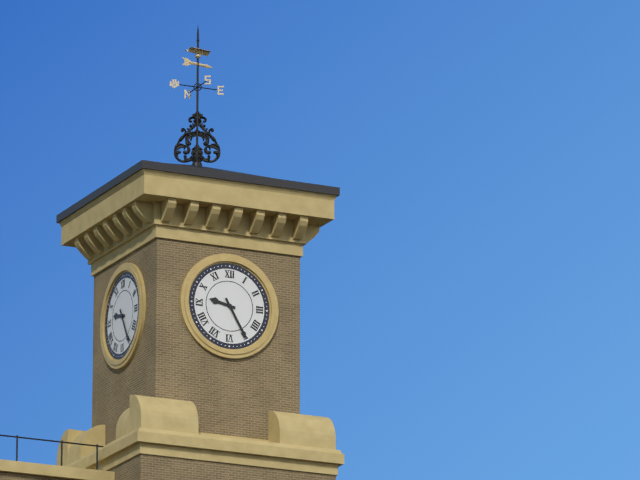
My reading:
h=9 m=25
